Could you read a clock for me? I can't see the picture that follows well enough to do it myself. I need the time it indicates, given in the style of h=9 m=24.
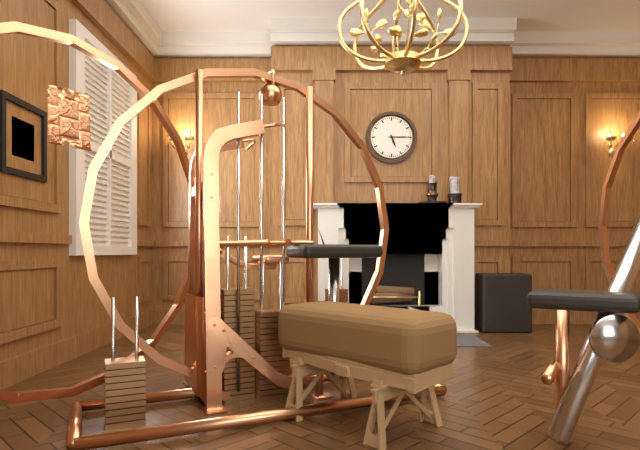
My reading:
h=5 m=15
